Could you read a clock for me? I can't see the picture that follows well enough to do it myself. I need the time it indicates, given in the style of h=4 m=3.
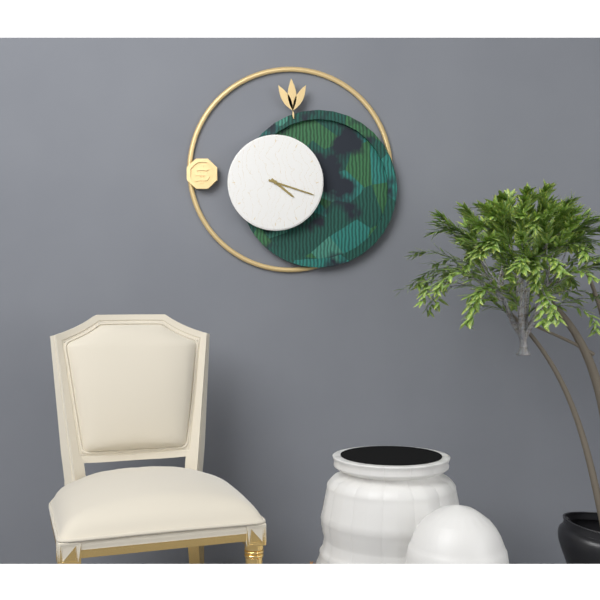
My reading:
h=4 m=18
